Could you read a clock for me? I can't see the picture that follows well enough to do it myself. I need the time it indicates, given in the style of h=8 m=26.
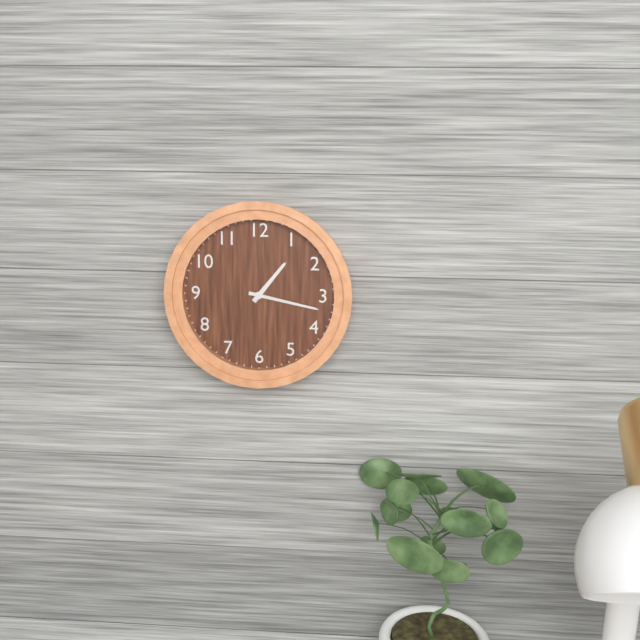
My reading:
h=1 m=17
